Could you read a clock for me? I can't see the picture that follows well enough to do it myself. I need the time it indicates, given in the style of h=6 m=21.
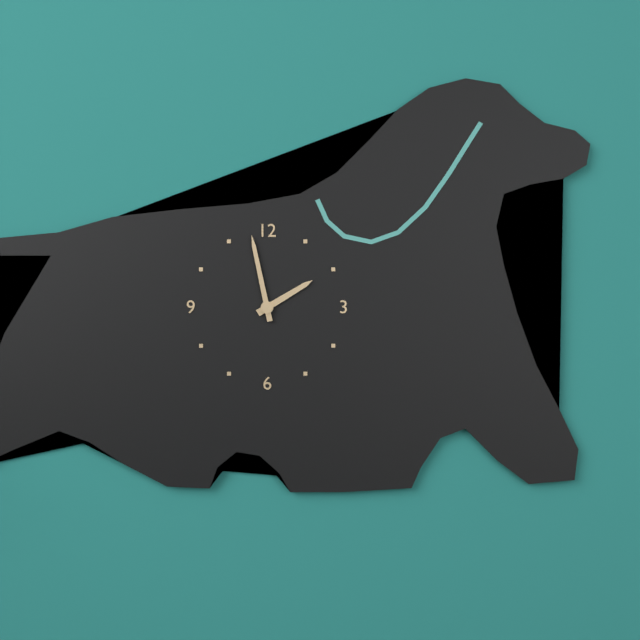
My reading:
h=1 m=58
